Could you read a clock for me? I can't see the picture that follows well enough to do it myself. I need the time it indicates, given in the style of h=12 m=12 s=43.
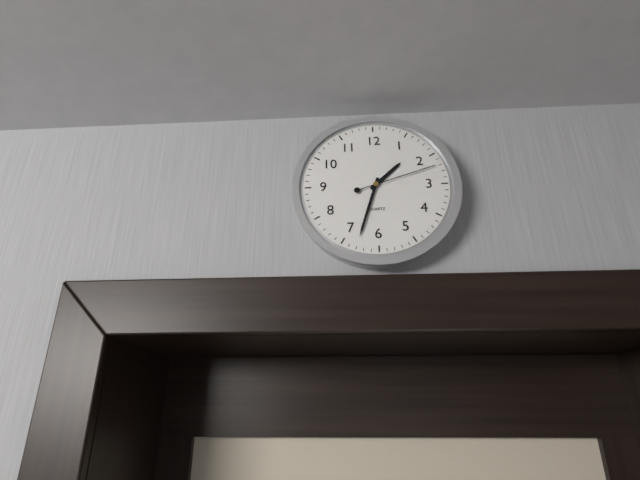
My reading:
h=1 m=33 s=12
